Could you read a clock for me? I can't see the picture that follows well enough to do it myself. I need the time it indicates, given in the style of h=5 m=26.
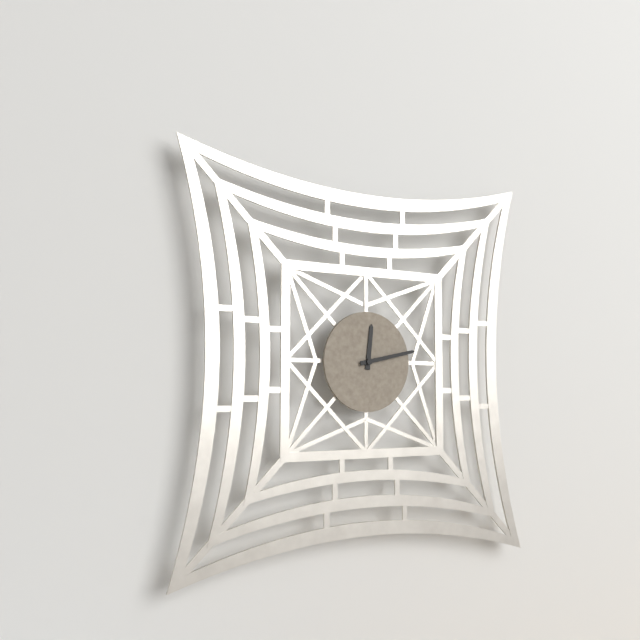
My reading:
h=12 m=13
